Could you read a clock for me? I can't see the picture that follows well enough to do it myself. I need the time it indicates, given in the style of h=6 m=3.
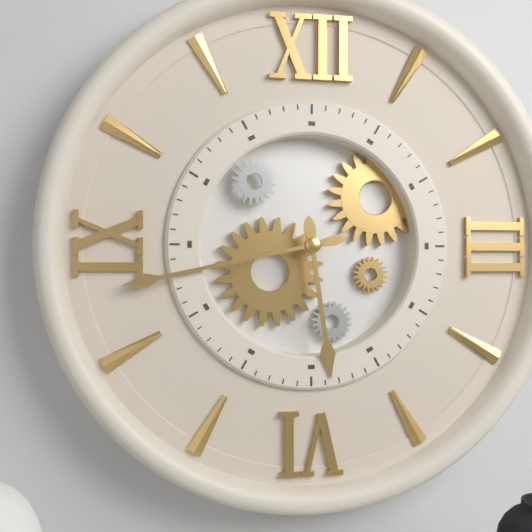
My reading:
h=5 m=43
